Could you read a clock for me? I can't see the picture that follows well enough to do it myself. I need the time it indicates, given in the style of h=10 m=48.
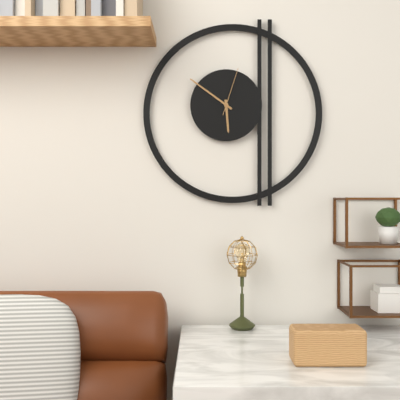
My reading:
h=5 m=51
